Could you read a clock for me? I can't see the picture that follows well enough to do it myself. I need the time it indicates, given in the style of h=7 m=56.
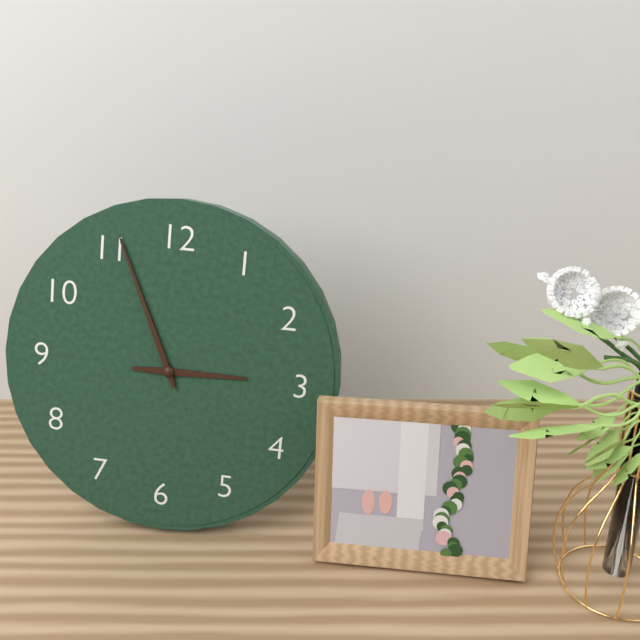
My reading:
h=2 m=56
